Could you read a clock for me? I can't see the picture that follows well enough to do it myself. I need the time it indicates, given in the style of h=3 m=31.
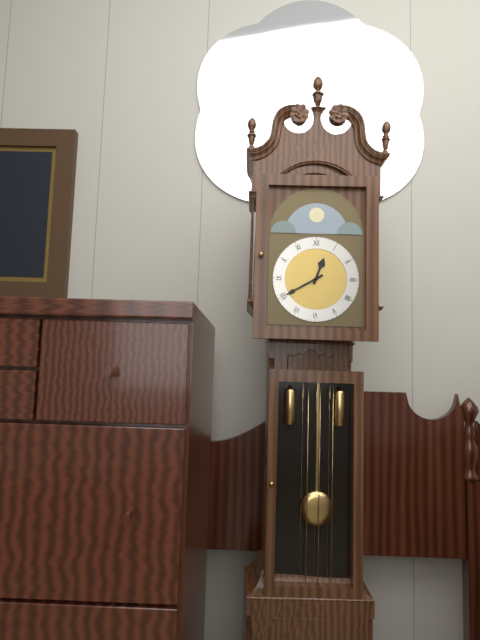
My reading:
h=12 m=40
